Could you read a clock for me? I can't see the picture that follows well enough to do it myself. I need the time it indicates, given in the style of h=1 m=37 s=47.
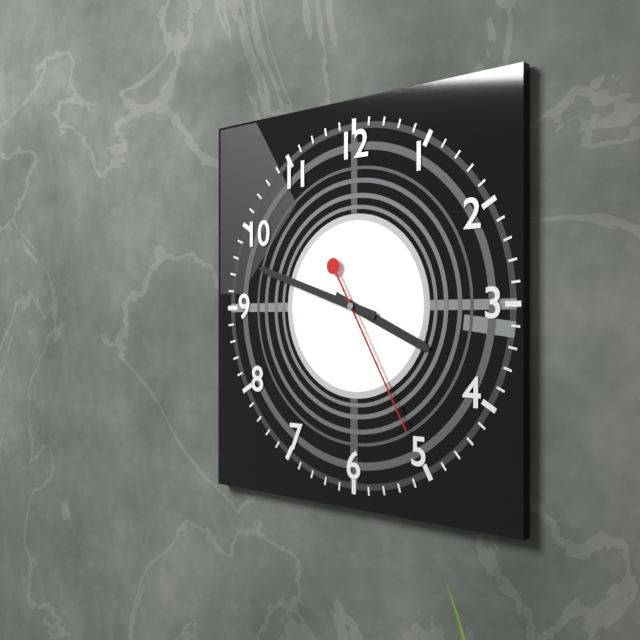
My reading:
h=3 m=48 s=25
